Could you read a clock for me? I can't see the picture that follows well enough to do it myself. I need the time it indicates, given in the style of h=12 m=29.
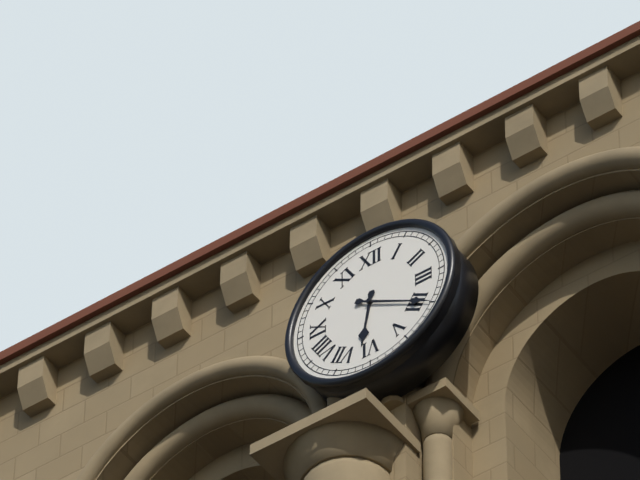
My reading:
h=6 m=20
